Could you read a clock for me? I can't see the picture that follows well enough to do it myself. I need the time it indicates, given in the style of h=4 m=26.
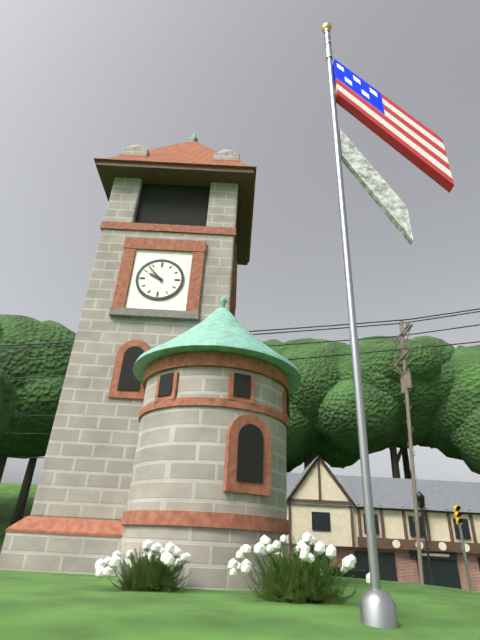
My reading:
h=9 m=53
